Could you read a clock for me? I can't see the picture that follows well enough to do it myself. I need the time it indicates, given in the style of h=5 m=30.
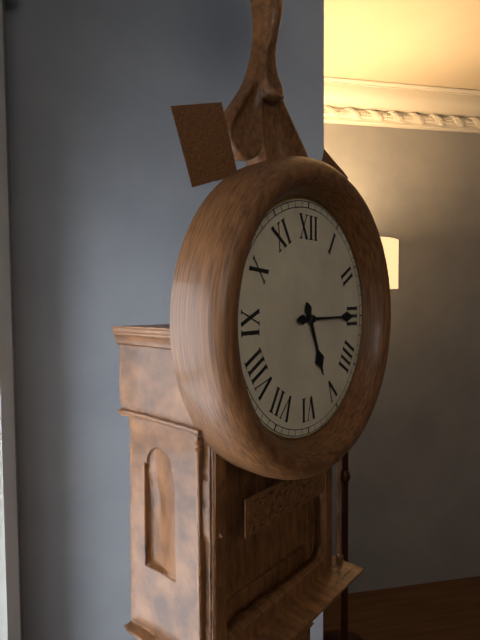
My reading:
h=5 m=15
